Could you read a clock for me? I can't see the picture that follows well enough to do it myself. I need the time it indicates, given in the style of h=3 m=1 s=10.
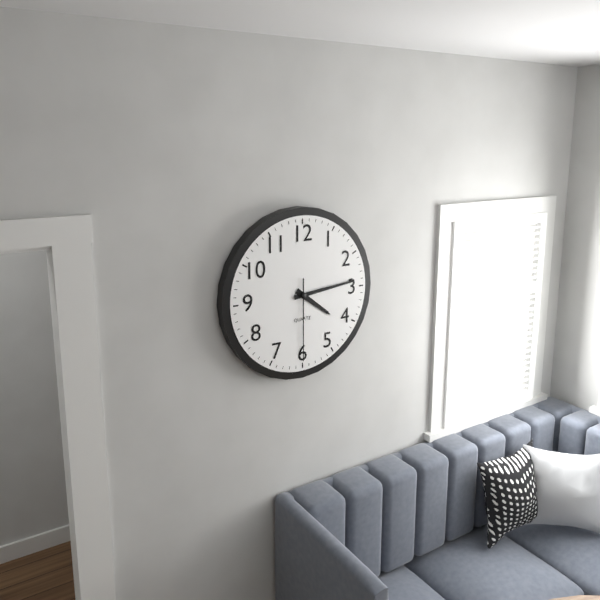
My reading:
h=4 m=14 s=30
